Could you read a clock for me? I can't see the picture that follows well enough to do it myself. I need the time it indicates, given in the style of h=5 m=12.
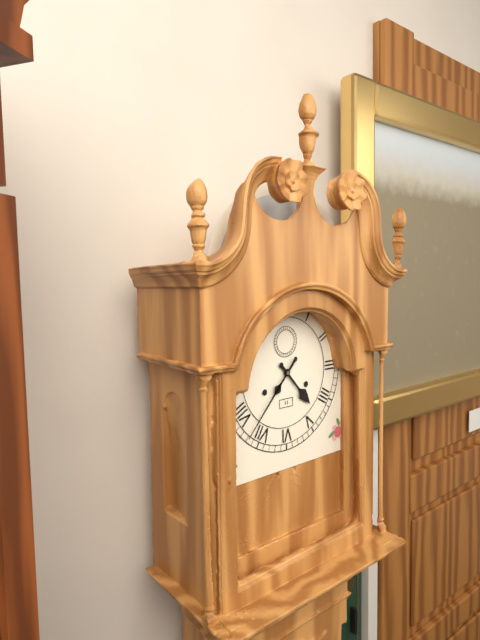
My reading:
h=4 m=37
